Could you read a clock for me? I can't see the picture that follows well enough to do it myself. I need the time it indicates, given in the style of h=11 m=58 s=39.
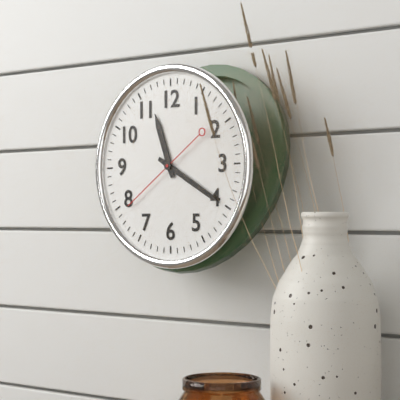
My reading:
h=11 m=20 s=39
